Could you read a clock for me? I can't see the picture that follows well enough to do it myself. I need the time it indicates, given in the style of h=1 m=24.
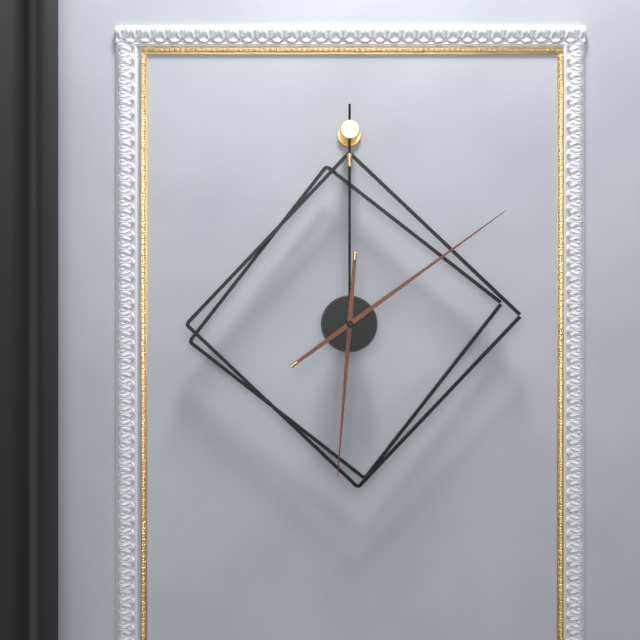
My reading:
h=6 m=9
